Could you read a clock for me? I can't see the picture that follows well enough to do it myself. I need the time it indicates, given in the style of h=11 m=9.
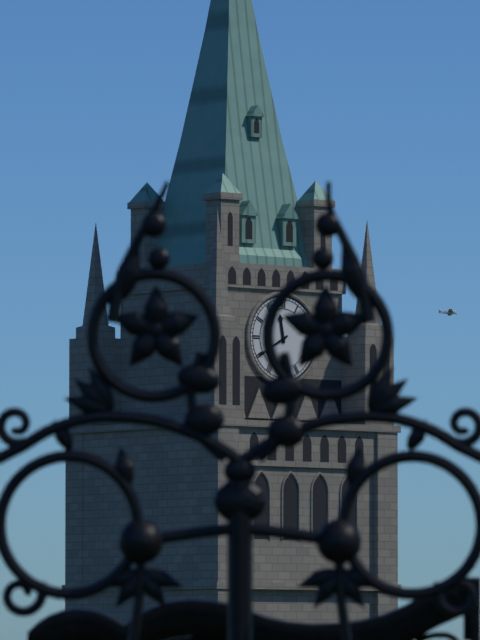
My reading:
h=11 m=40
